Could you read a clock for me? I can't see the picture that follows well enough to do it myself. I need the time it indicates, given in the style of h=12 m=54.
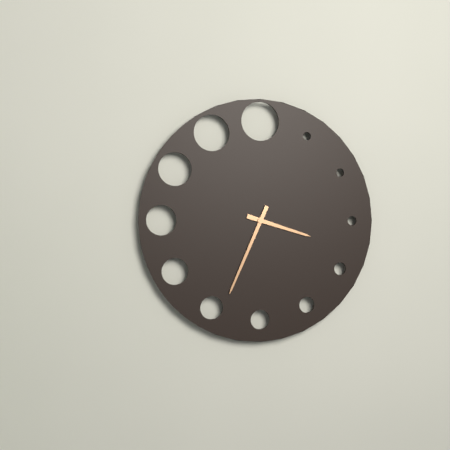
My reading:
h=3 m=34
